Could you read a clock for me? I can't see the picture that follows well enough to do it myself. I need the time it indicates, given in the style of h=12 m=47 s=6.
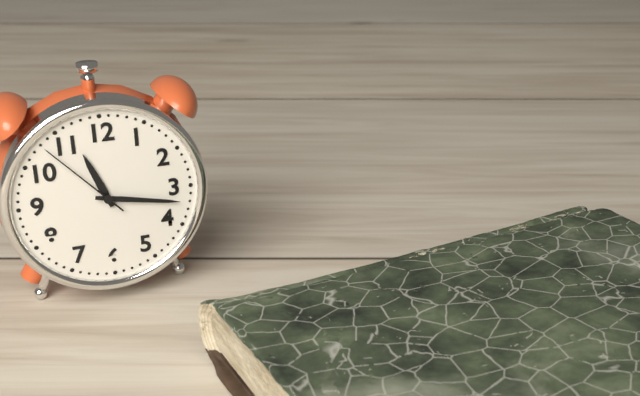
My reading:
h=11 m=17 s=53
